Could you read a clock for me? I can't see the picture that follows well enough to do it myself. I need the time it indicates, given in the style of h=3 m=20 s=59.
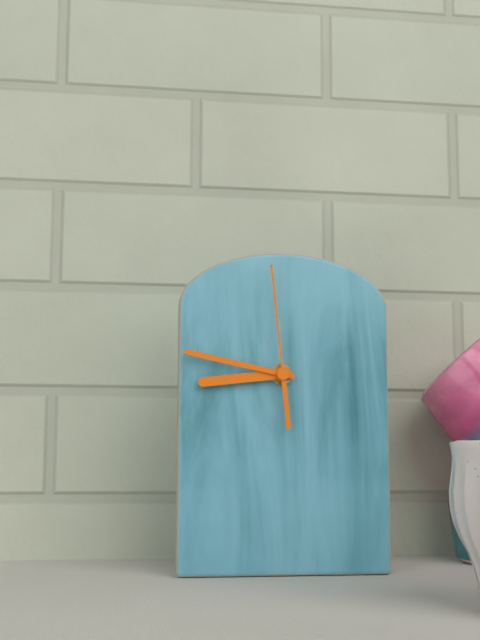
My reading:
h=8 m=47 s=59
